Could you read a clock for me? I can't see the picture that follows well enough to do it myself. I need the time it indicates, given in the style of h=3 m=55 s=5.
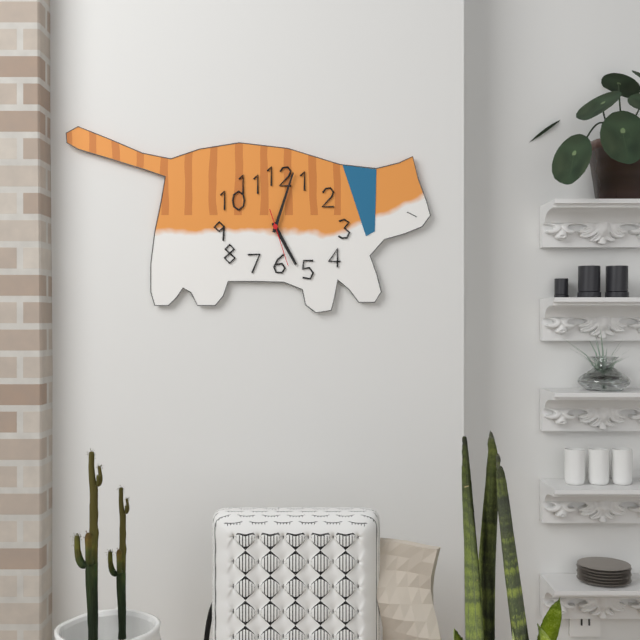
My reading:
h=5 m=3 s=27
